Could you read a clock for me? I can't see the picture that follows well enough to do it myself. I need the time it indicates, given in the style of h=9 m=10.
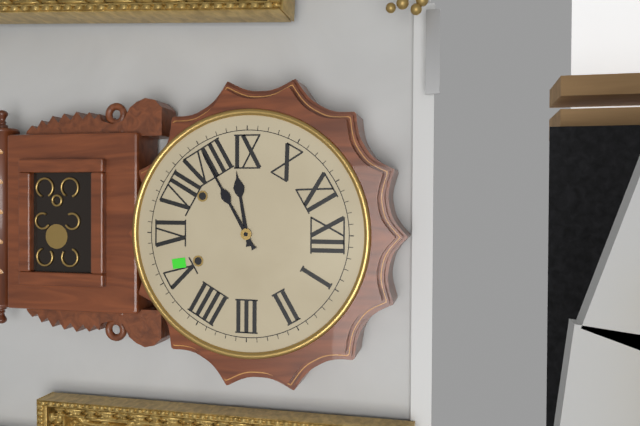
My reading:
h=8 m=40
